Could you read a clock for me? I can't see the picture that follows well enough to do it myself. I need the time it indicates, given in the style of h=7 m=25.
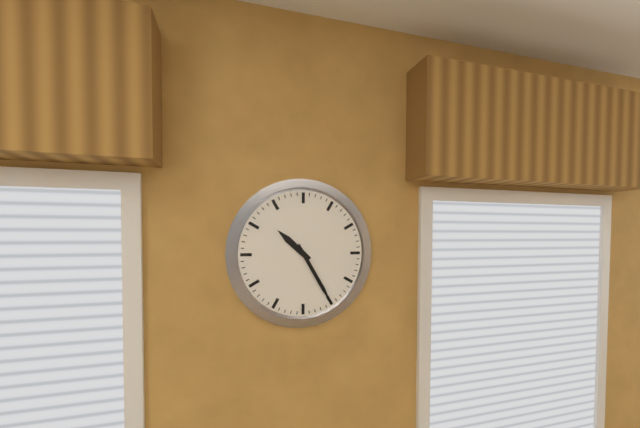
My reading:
h=10 m=25
